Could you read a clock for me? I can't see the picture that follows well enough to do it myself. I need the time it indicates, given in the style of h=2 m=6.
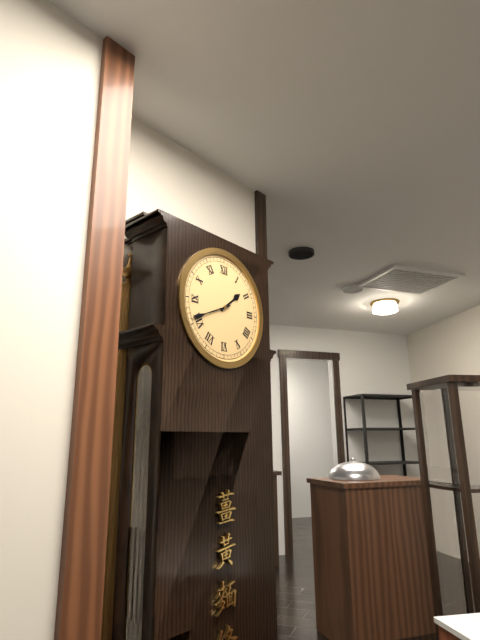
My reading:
h=1 m=41
